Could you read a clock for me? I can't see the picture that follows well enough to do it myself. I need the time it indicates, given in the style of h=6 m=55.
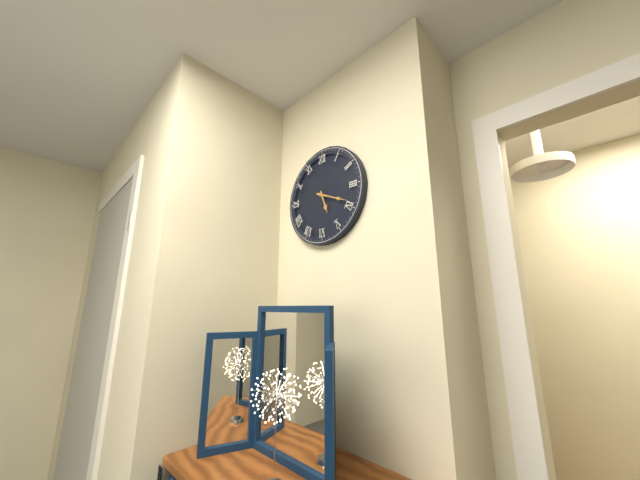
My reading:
h=5 m=19
